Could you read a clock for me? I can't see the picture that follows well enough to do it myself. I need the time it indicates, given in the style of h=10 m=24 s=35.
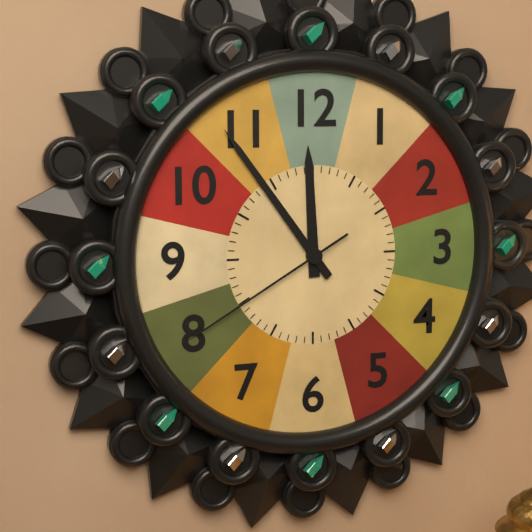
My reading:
h=11 m=54 s=40
